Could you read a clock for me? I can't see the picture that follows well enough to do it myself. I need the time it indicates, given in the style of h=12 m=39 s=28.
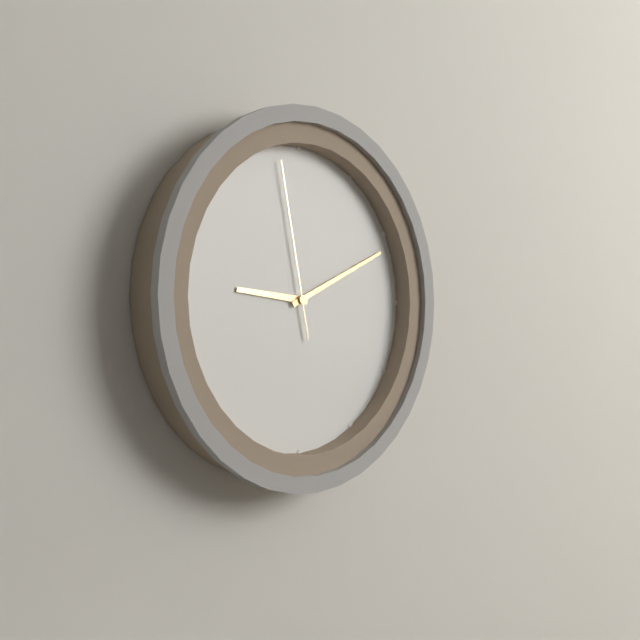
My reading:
h=9 m=11 s=58
